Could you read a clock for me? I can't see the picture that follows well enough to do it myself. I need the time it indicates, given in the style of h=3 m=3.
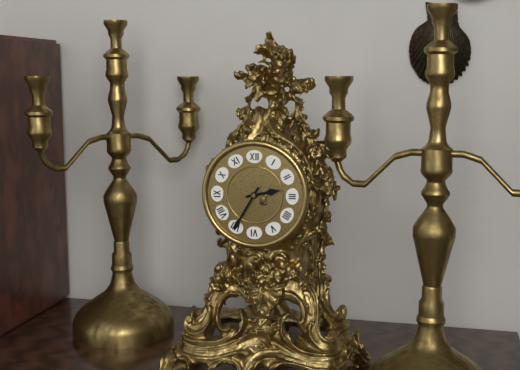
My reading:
h=2 m=35
